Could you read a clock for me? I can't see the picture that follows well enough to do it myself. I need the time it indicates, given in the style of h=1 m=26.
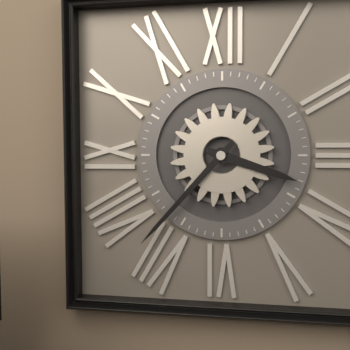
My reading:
h=3 m=37
